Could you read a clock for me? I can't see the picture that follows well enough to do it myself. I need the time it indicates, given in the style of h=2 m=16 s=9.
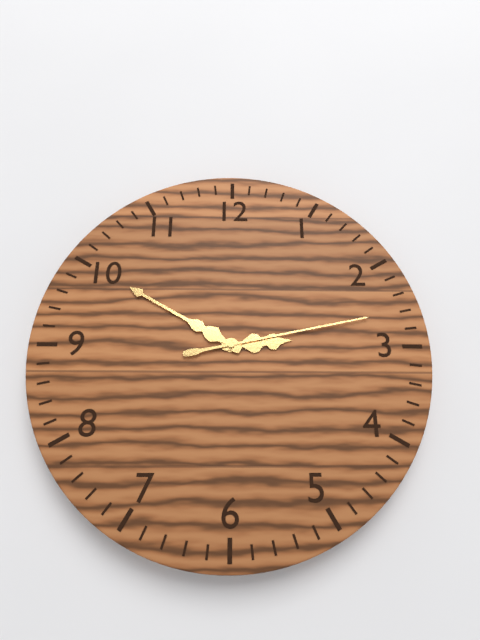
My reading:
h=2 m=50 s=13
